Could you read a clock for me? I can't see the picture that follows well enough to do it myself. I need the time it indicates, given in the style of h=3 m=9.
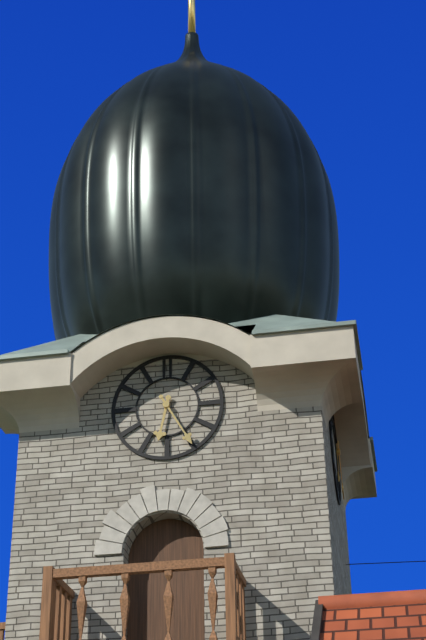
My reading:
h=6 m=25
